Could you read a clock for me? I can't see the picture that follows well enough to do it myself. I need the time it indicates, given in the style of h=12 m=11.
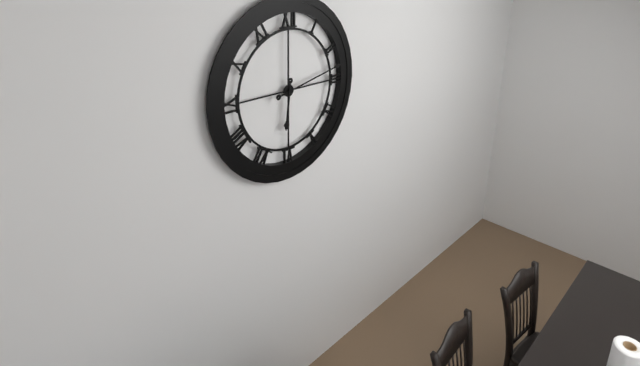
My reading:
h=6 m=13
